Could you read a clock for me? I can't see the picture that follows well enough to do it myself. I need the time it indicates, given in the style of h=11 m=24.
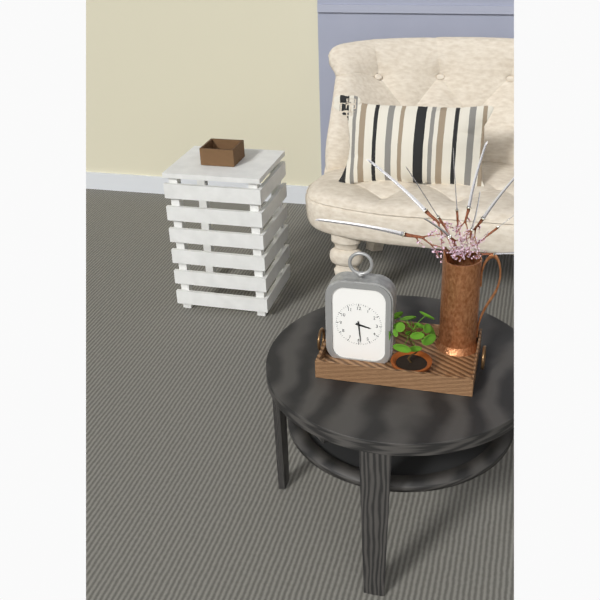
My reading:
h=3 m=29
